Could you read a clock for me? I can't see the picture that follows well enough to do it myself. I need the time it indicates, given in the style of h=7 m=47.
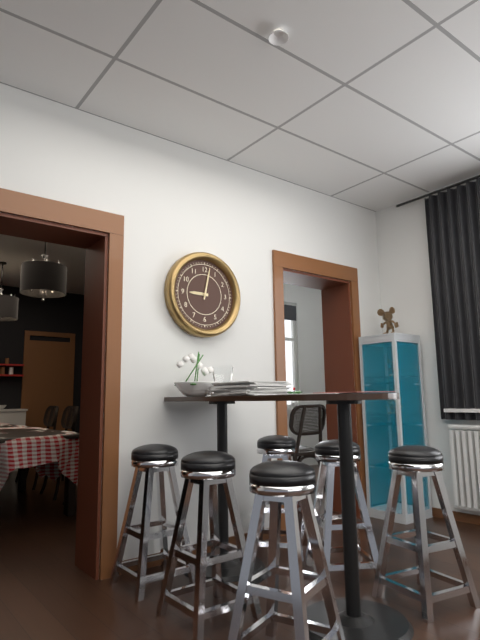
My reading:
h=9 m=2
